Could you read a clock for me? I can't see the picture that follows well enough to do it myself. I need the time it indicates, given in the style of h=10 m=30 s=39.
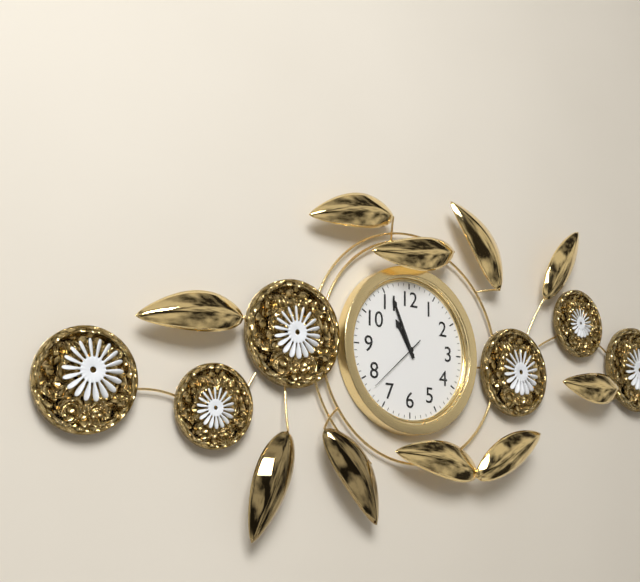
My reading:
h=10 m=56 s=38
